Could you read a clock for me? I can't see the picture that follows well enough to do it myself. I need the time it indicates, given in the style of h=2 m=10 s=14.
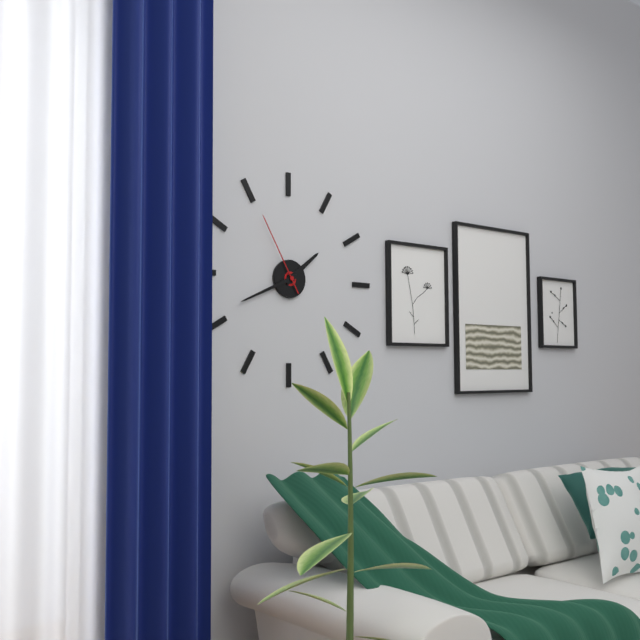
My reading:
h=1 m=41 s=55
